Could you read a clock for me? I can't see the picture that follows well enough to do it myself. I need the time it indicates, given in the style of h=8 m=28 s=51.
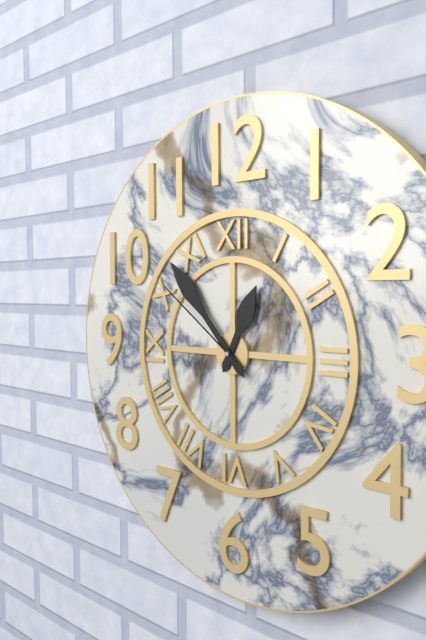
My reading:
h=12 m=53 s=51
